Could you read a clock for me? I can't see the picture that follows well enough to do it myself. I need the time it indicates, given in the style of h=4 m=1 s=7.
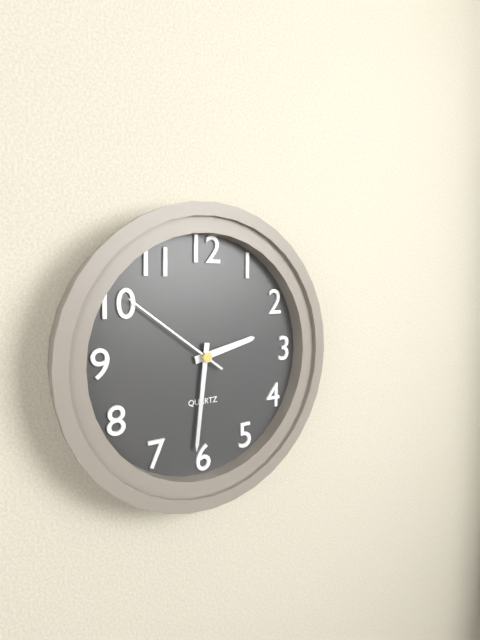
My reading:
h=2 m=31 s=51
